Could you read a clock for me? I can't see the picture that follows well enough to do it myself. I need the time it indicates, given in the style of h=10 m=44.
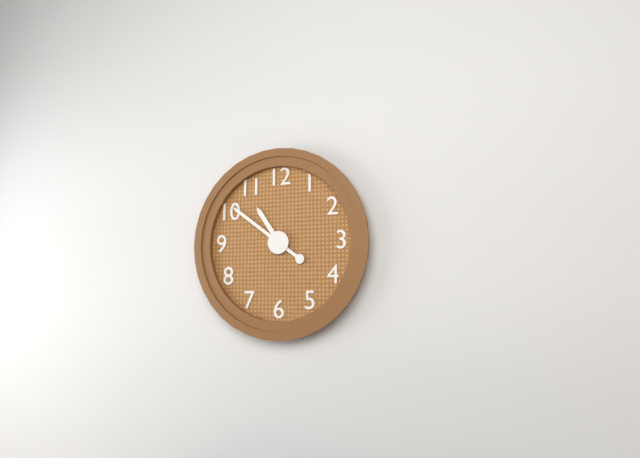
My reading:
h=10 m=51
